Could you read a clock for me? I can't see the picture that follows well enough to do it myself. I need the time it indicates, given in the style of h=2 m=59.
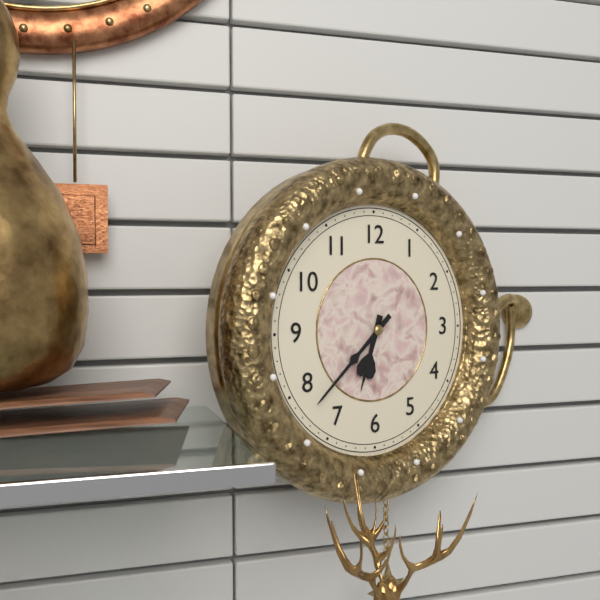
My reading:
h=6 m=38
